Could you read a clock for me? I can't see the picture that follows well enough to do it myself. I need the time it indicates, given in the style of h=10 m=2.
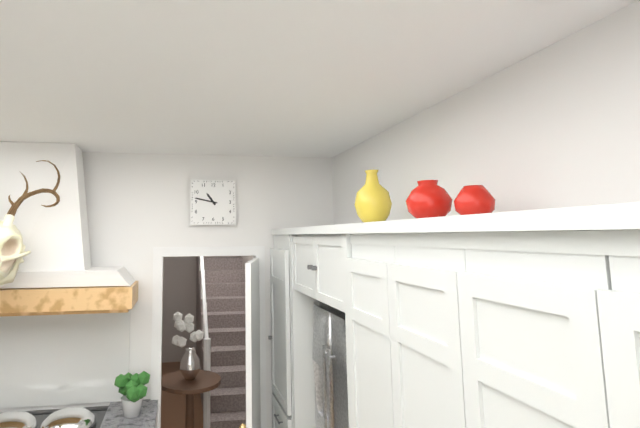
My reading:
h=10 m=47
